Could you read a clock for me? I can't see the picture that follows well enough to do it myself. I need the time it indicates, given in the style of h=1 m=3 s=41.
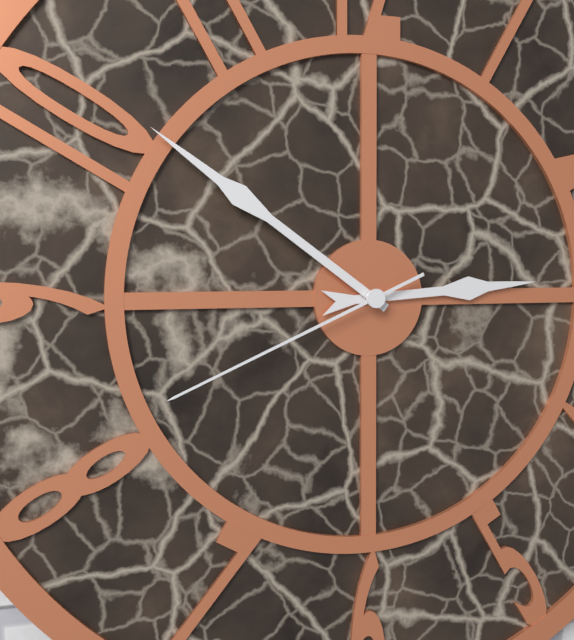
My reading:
h=2 m=51 s=41
